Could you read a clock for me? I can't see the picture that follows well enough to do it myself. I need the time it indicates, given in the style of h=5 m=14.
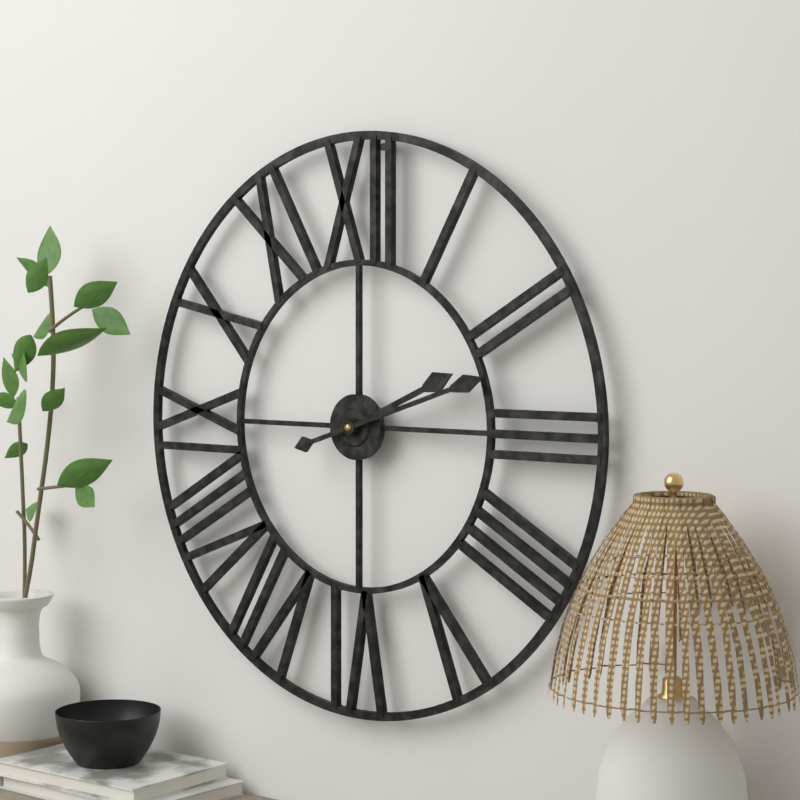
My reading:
h=2 m=12
